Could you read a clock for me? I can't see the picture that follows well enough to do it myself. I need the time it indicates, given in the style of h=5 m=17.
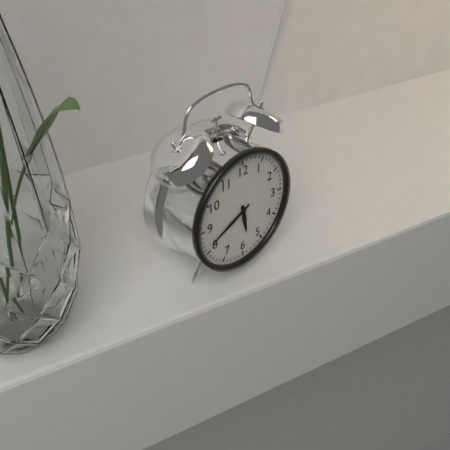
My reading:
h=5 m=41
